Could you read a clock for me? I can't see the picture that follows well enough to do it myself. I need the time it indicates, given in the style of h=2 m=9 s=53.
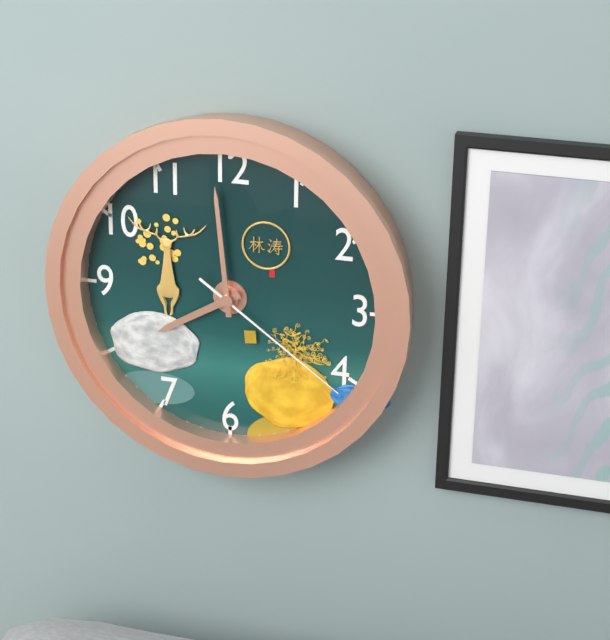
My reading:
h=7 m=59 s=21
